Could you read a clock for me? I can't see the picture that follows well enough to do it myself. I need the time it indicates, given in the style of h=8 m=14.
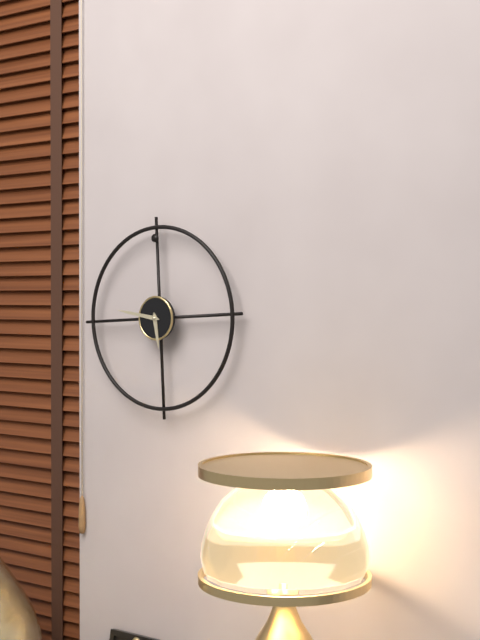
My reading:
h=5 m=47
